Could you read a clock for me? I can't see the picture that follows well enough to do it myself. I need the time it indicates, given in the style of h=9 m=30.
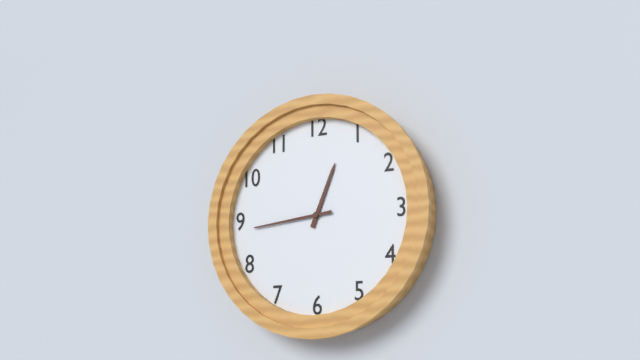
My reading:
h=12 m=44
